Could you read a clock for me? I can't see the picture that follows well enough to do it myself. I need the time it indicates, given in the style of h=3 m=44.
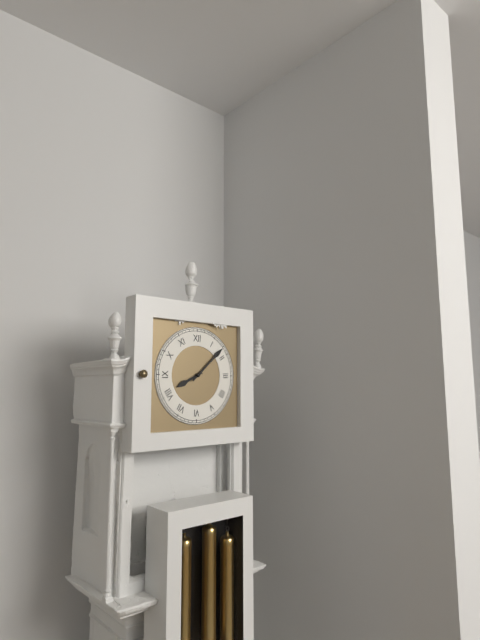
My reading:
h=8 m=8
